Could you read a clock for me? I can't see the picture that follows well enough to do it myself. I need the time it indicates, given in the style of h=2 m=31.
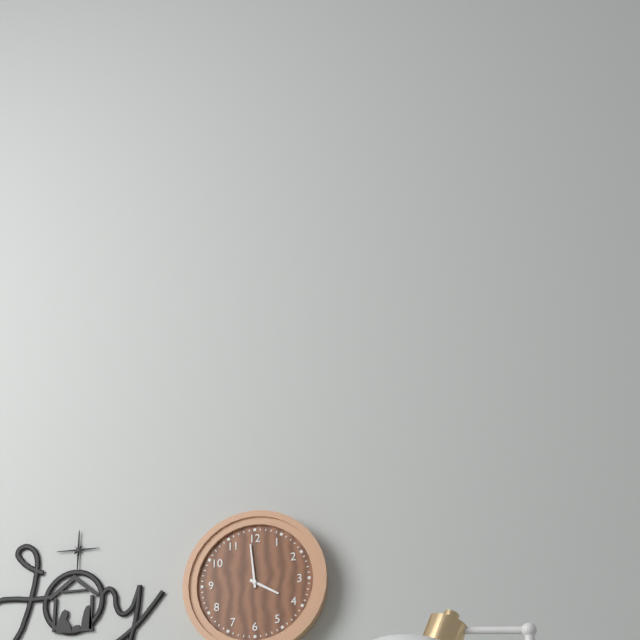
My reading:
h=3 m=59
